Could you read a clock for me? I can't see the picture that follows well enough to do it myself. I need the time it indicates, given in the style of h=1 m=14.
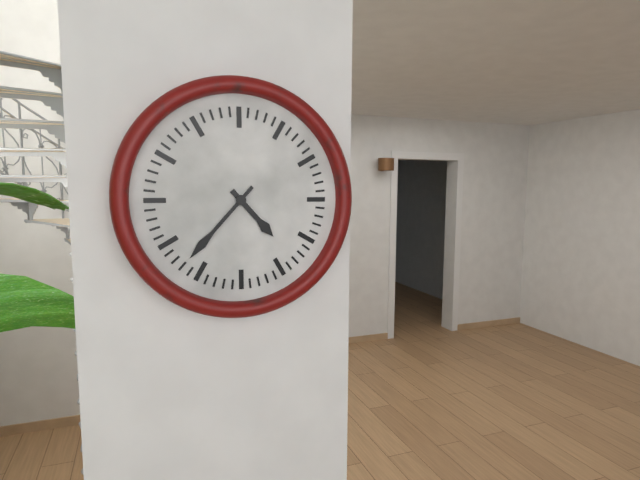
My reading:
h=4 m=37
